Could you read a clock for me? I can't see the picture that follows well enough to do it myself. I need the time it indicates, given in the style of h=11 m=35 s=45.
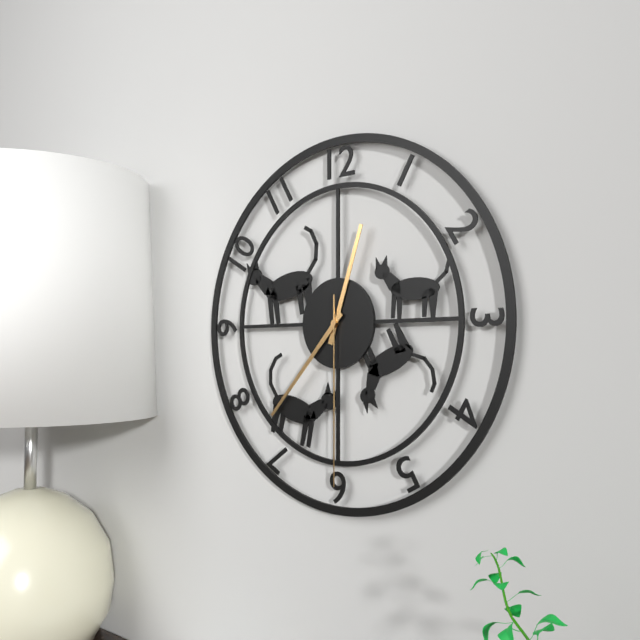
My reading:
h=12 m=37 s=30
